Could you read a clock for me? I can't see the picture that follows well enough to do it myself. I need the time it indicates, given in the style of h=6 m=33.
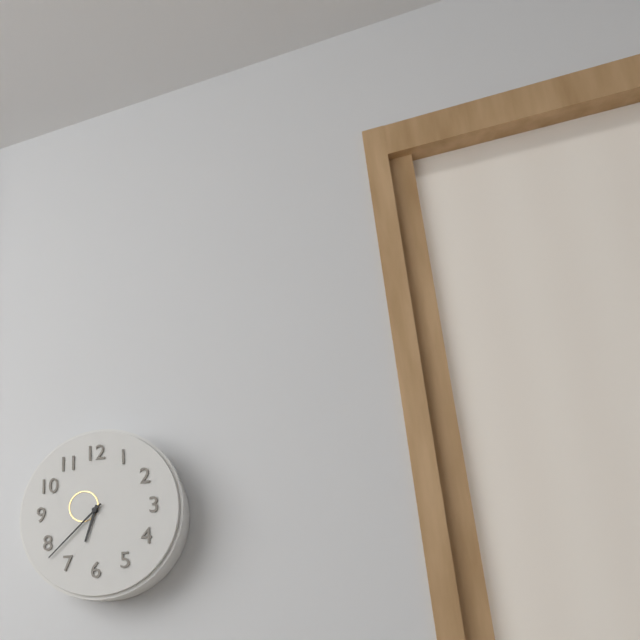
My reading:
h=6 m=38
